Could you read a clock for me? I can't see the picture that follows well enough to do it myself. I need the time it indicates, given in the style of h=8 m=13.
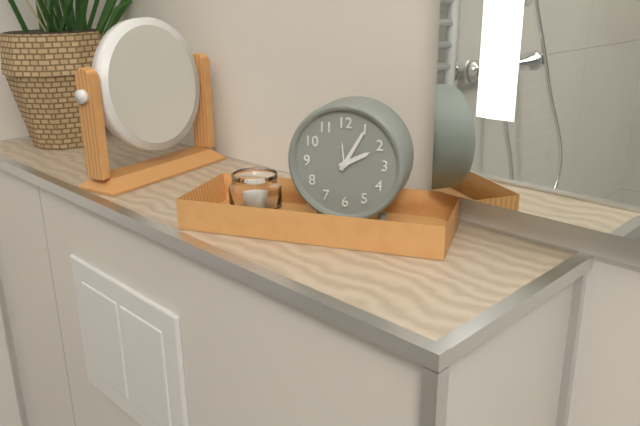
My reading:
h=2 m=5
